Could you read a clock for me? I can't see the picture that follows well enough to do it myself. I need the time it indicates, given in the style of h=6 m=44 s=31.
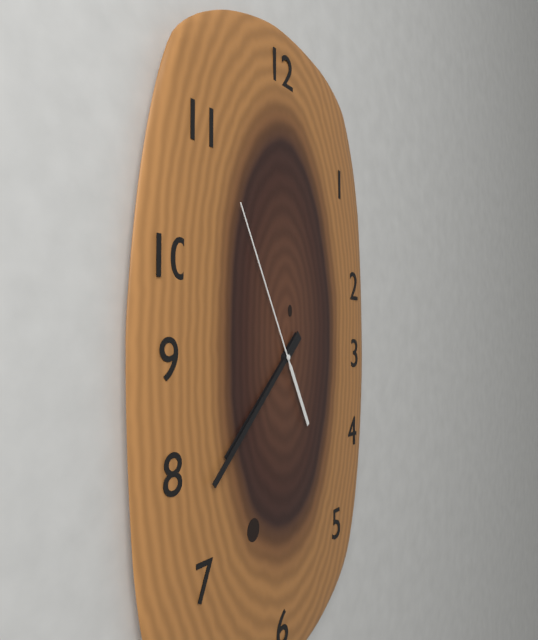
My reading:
h=7 m=38 s=55
